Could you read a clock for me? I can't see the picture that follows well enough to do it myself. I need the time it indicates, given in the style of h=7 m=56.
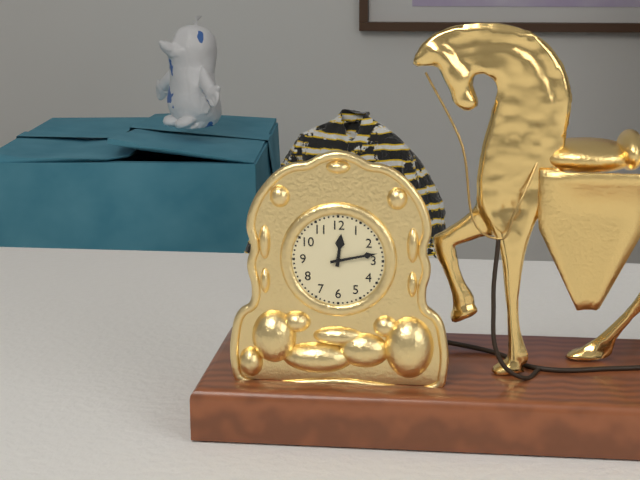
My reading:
h=12 m=13
